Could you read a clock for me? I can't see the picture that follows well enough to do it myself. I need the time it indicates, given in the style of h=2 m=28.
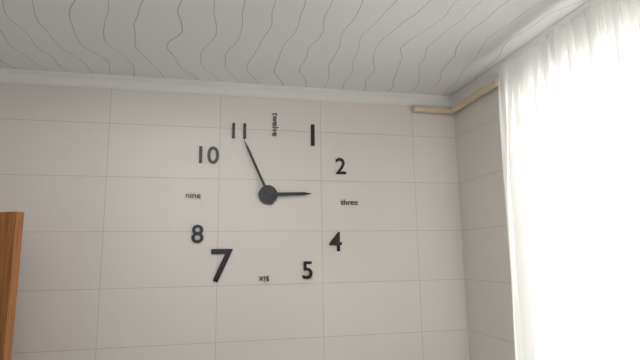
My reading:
h=2 m=56
